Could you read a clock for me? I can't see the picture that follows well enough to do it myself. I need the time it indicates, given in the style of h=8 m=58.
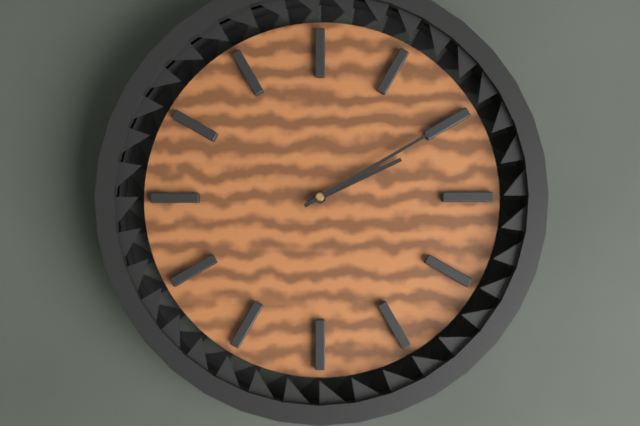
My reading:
h=2 m=10
